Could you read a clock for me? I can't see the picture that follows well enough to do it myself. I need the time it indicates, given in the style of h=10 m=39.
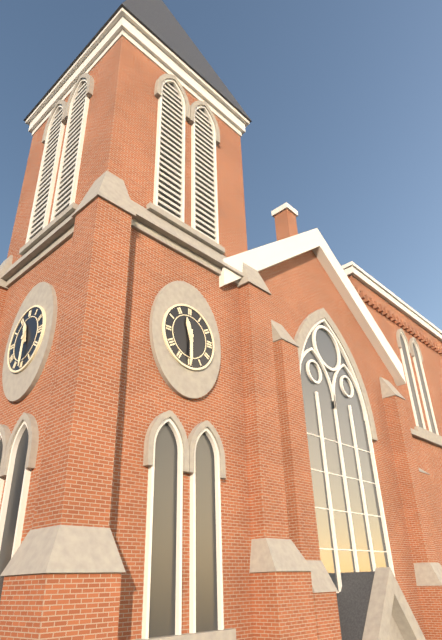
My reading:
h=11 m=30
